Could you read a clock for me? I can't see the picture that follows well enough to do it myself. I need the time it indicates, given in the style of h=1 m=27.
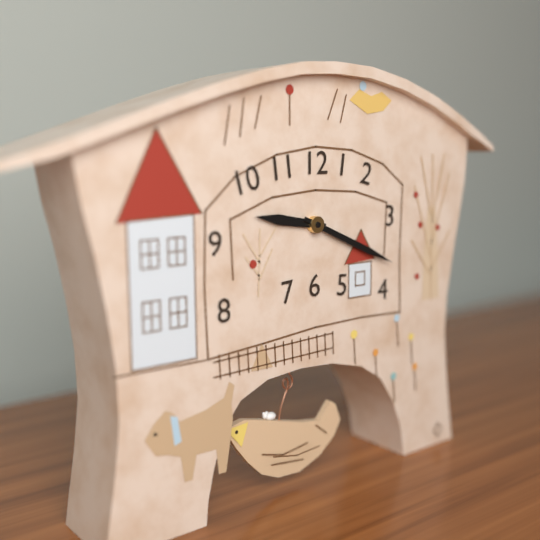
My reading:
h=9 m=19
